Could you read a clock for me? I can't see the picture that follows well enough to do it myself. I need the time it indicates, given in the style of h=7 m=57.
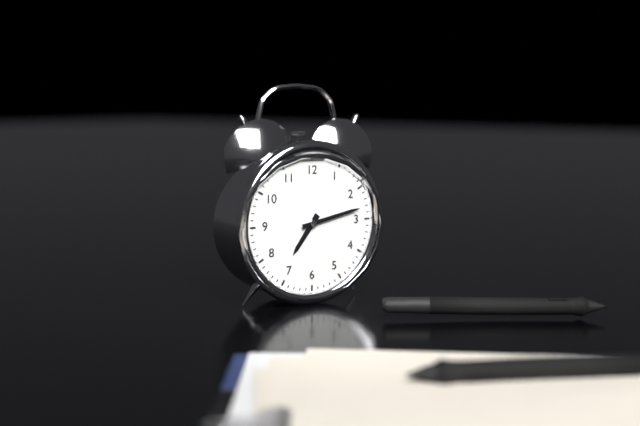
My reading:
h=7 m=13
